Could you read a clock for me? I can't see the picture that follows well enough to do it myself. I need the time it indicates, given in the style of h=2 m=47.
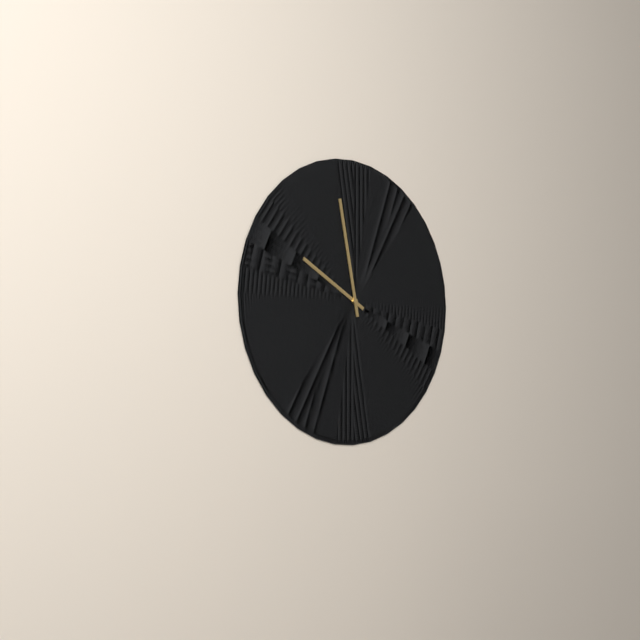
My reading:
h=9 m=58
